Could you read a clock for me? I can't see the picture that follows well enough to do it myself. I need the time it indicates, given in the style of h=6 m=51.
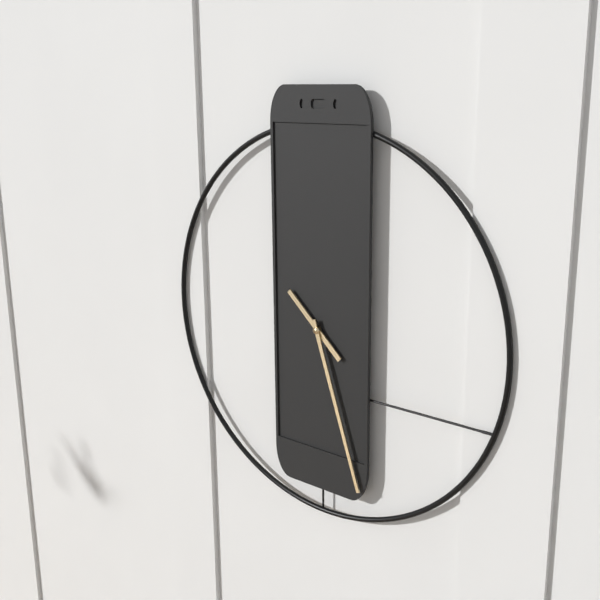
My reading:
h=10 m=27
